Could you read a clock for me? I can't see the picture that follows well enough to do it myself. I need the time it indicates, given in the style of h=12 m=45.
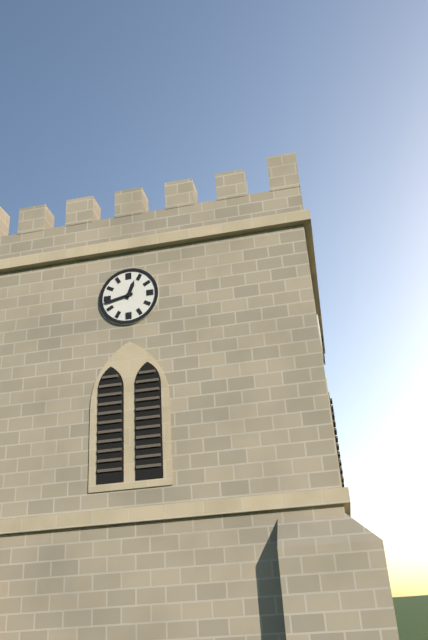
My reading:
h=12 m=43
